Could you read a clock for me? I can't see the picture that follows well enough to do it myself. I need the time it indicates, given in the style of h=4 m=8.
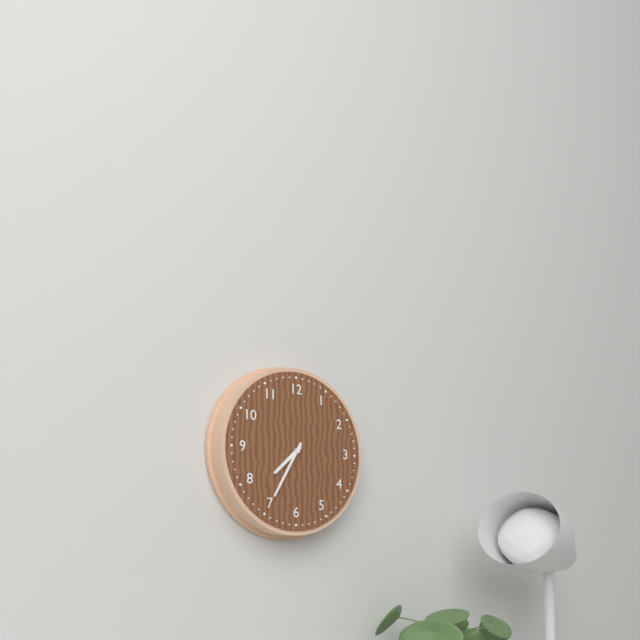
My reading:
h=7 m=35
